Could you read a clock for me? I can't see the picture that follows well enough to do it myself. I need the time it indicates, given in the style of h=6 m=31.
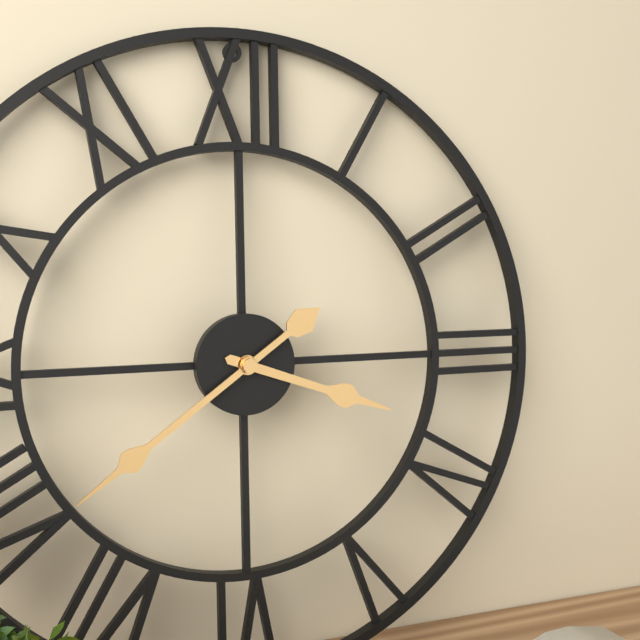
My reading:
h=3 m=39
